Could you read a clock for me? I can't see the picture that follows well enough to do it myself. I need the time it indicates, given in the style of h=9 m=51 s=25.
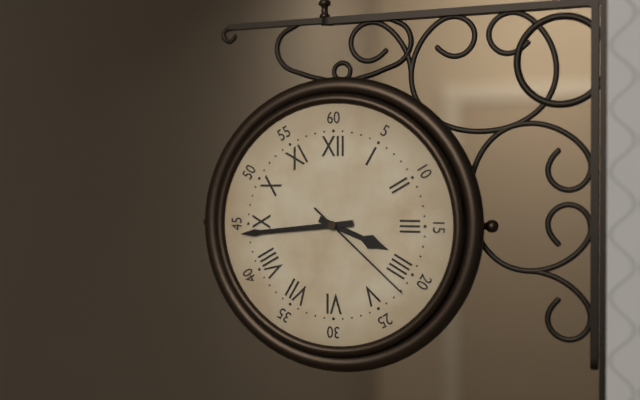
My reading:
h=3 m=44 s=22
